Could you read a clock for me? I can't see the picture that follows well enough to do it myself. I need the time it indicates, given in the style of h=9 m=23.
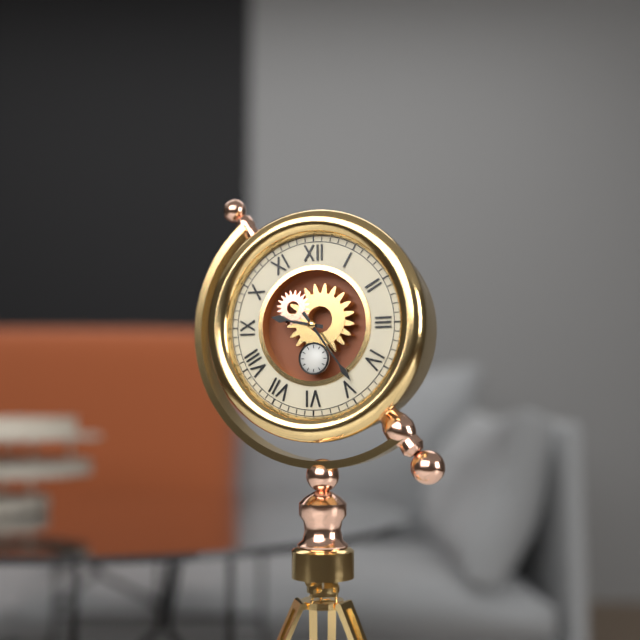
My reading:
h=9 m=24
